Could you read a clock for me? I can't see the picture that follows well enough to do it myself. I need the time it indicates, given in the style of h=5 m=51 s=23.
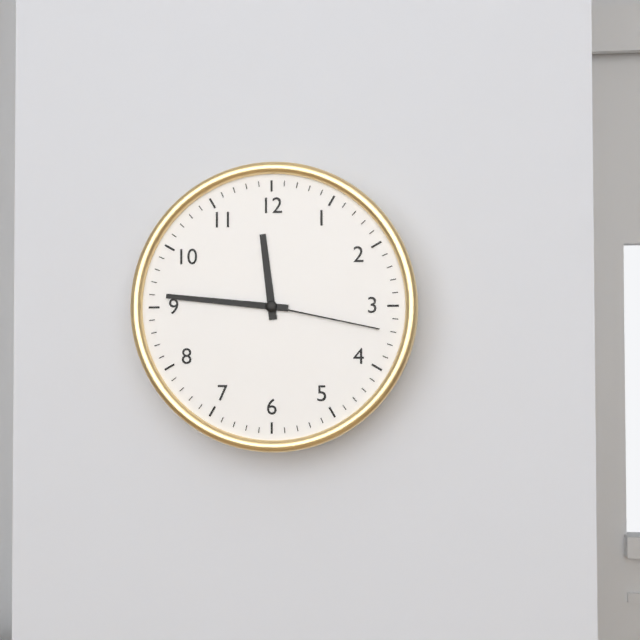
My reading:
h=11 m=46 s=17
